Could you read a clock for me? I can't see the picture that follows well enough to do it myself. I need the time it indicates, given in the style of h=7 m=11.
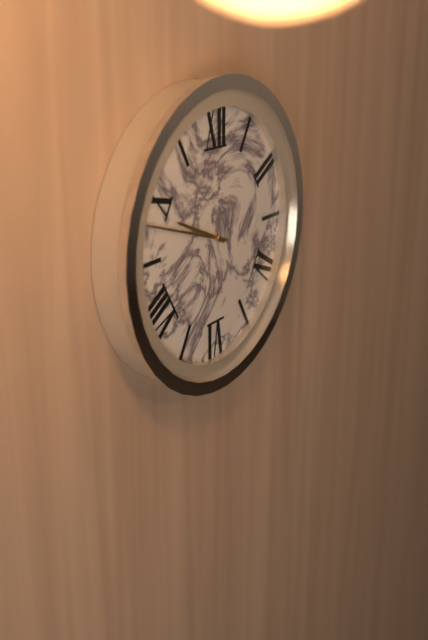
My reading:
h=9 m=48
